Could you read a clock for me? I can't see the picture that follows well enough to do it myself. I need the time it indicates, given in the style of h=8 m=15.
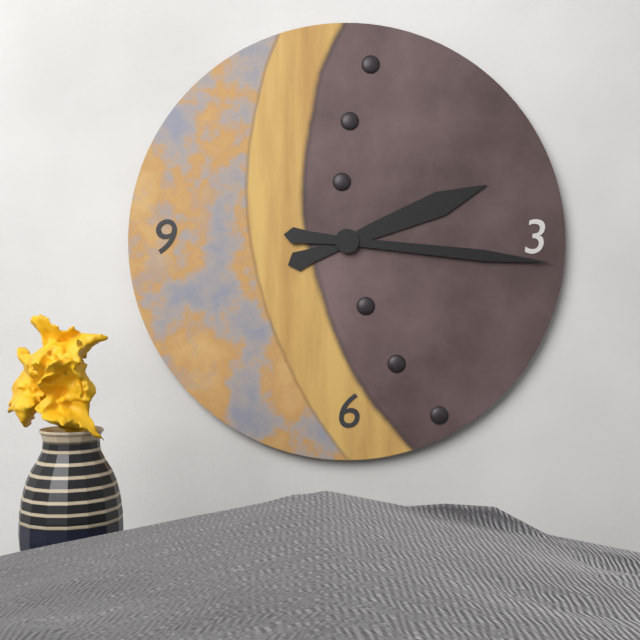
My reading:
h=2 m=16
